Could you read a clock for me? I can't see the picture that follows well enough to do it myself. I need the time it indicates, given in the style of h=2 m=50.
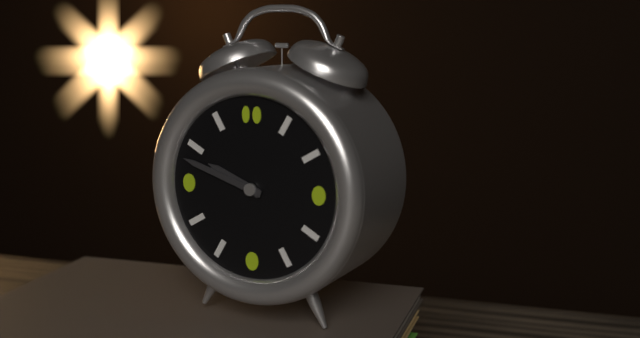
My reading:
h=9 m=48
